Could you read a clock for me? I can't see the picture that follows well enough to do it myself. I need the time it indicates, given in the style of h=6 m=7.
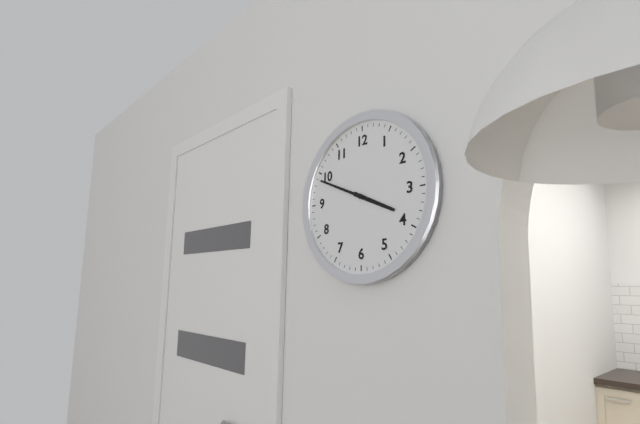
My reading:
h=3 m=49
